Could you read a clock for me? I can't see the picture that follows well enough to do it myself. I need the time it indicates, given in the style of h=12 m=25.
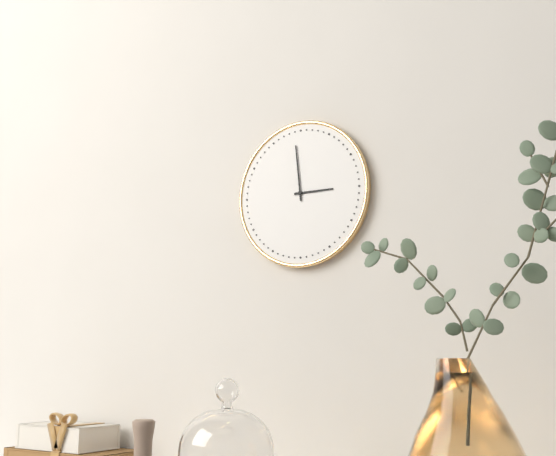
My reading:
h=2 m=59
